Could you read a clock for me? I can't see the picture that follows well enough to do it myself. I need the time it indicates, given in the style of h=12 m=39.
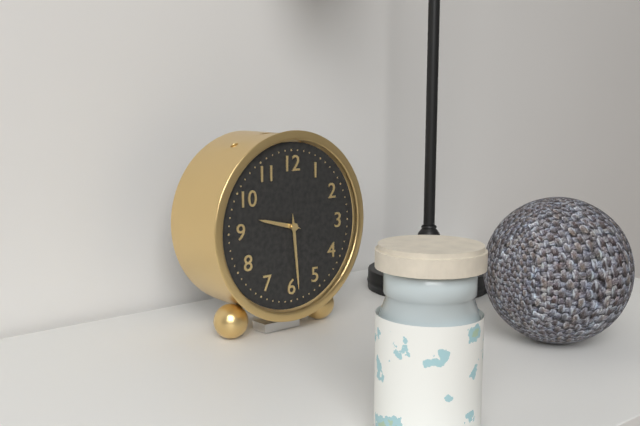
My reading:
h=9 m=29
